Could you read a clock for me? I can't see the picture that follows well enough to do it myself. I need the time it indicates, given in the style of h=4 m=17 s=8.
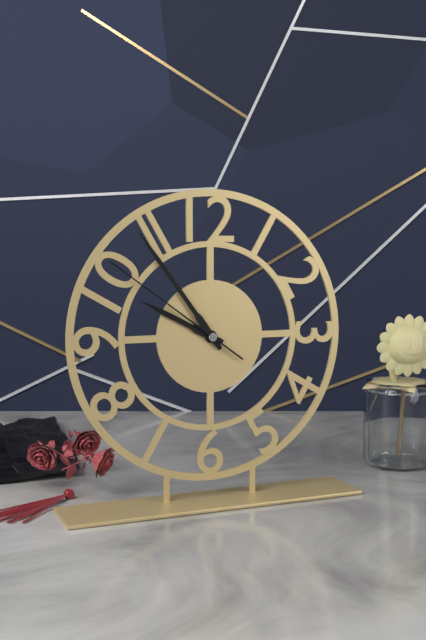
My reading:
h=9 m=54 s=51
